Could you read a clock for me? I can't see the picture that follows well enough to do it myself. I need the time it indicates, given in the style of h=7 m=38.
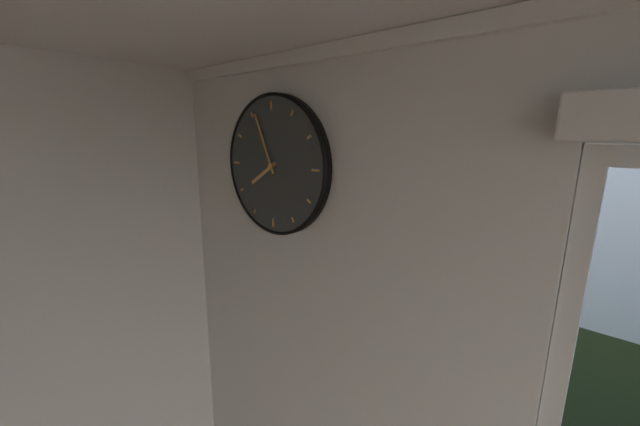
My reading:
h=7 m=56
